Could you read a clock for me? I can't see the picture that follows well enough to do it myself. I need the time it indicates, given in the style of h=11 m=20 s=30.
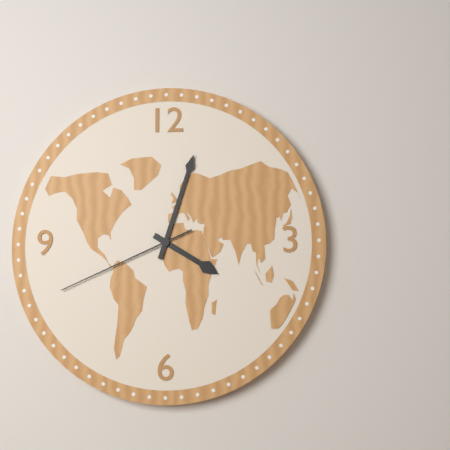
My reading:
h=4 m=3 s=41
